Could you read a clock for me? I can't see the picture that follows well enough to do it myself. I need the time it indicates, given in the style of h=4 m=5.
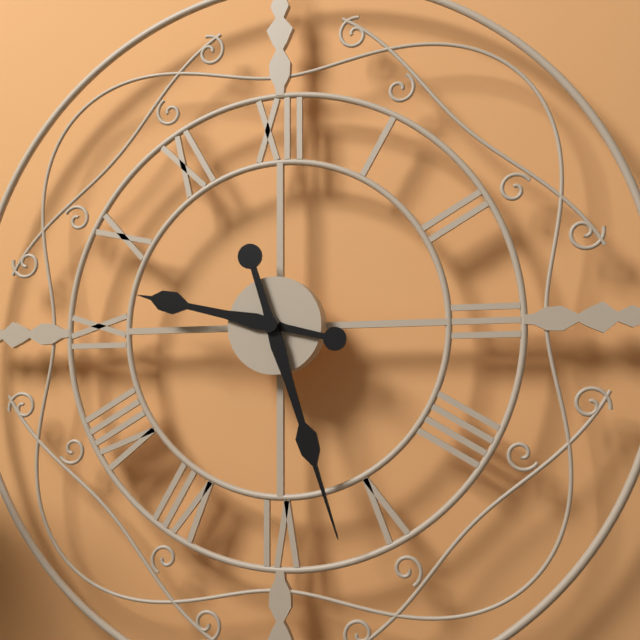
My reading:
h=9 m=27
